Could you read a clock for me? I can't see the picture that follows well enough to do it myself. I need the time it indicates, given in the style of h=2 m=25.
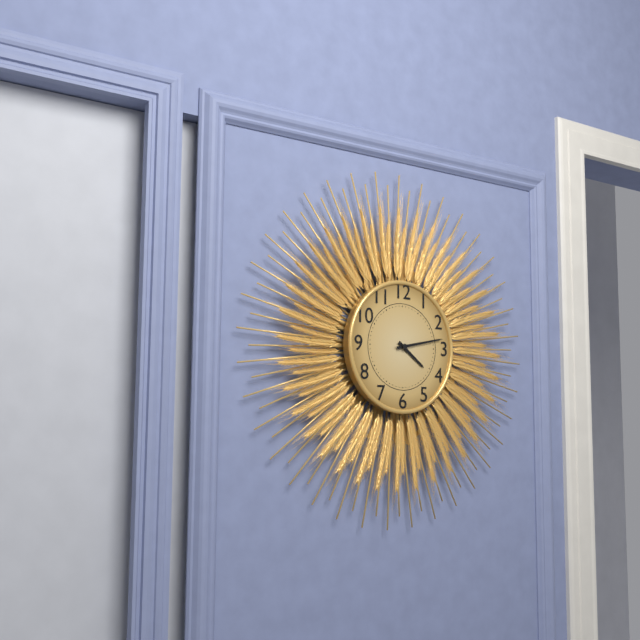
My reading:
h=4 m=13
